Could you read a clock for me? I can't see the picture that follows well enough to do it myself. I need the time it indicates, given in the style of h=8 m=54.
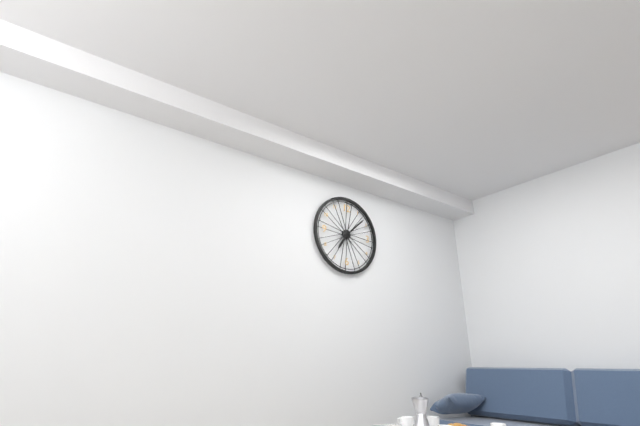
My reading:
h=7 m=8
